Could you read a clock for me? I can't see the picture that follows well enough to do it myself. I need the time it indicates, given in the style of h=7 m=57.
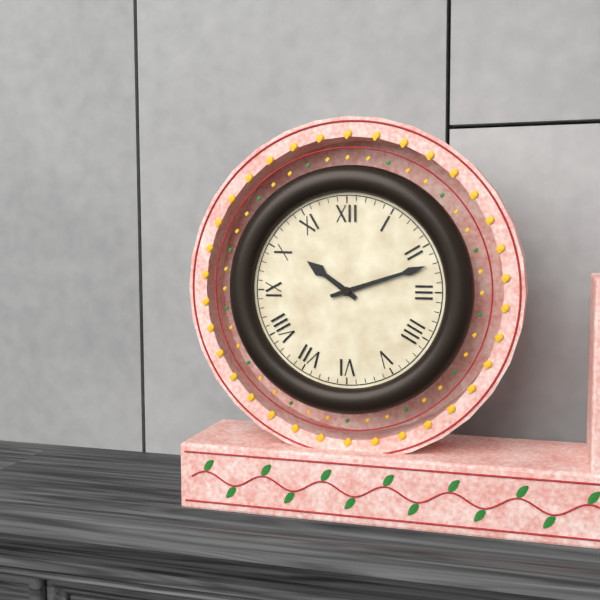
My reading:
h=10 m=12
